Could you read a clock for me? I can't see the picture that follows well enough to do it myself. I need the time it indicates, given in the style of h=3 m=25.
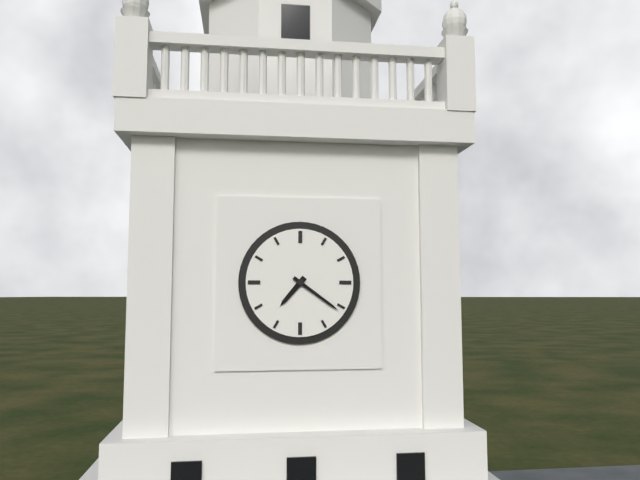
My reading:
h=7 m=21
